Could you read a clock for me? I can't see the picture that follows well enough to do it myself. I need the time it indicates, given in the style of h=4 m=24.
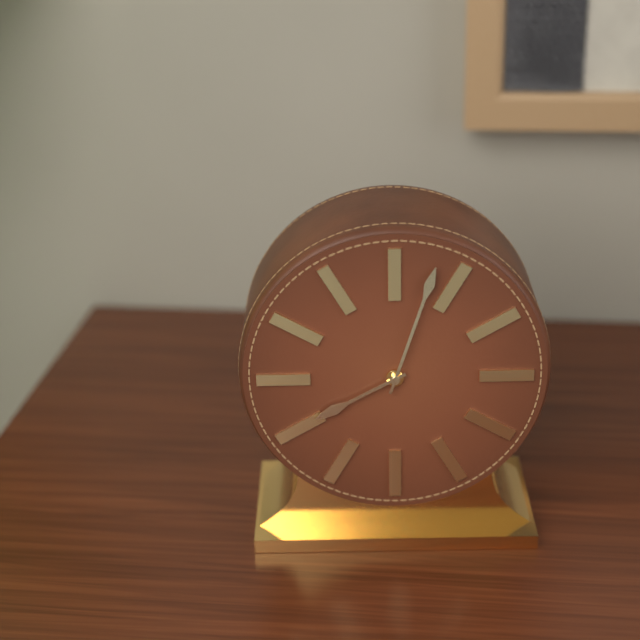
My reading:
h=8 m=3
